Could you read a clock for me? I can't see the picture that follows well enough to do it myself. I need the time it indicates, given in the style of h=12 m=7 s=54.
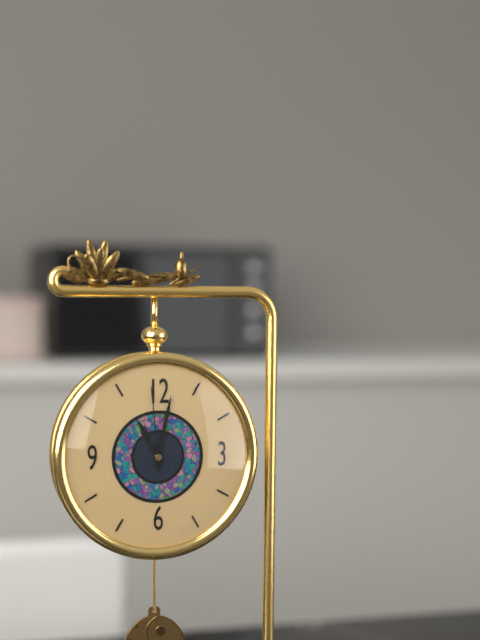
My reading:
h=11 m=2 s=59
